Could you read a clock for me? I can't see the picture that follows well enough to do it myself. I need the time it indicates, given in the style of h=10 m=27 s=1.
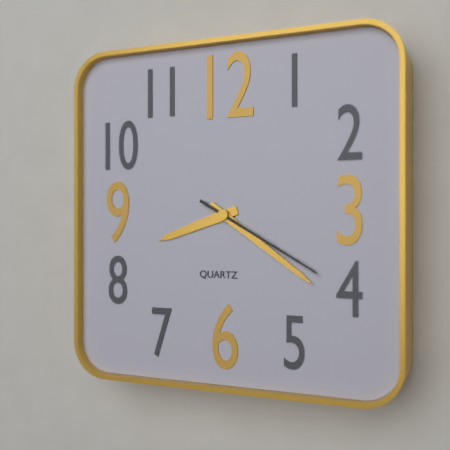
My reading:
h=8 m=21 s=20
